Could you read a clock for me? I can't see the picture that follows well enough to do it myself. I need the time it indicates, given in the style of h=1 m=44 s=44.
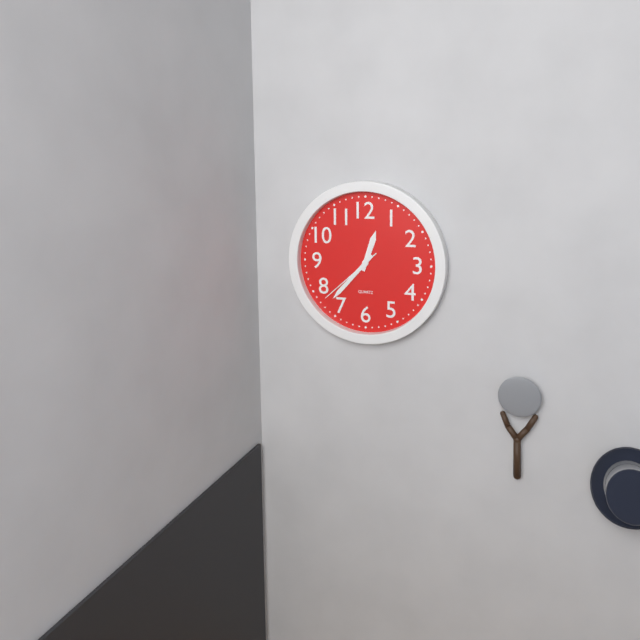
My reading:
h=12 m=37 s=38
